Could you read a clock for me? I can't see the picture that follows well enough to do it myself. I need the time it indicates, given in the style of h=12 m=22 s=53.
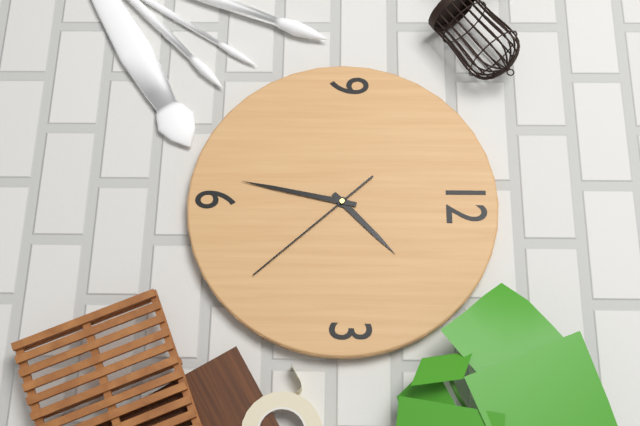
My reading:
h=1 m=32 s=23
